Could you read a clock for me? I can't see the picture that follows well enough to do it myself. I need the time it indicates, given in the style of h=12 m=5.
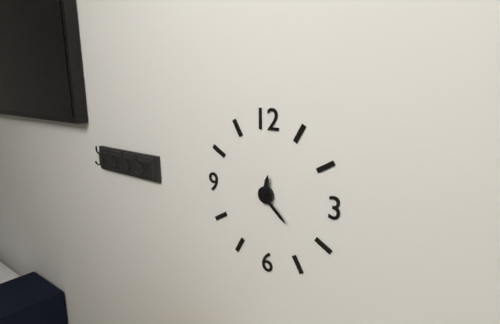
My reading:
h=12 m=22
